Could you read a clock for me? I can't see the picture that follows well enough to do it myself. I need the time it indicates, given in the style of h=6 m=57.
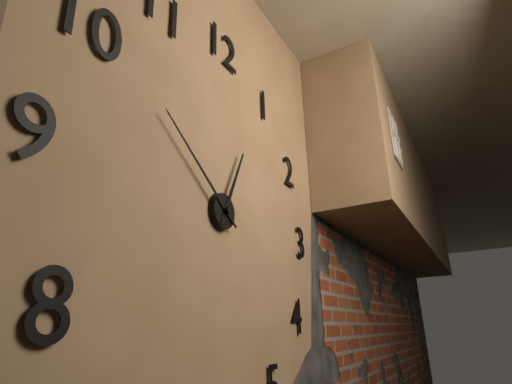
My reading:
h=12 m=51
